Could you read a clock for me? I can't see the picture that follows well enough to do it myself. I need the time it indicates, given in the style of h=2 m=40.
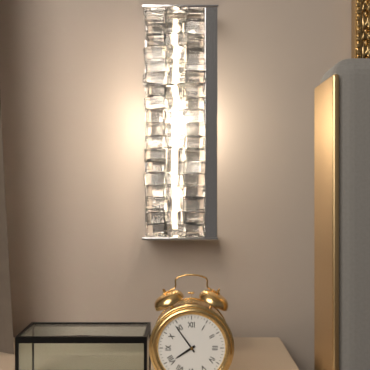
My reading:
h=7 m=54
